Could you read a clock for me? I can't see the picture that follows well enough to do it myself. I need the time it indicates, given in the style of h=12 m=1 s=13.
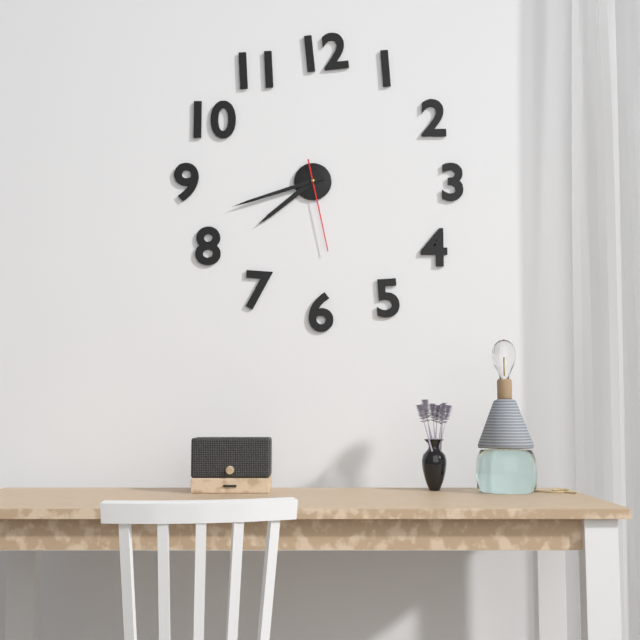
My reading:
h=7 m=42 s=28
